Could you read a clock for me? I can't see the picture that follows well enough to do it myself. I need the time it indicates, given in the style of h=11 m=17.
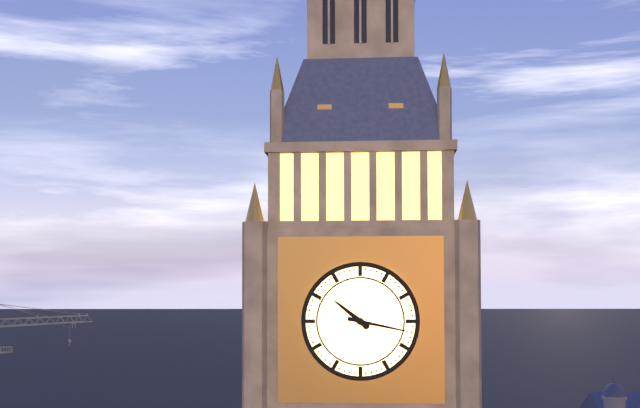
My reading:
h=10 m=17
